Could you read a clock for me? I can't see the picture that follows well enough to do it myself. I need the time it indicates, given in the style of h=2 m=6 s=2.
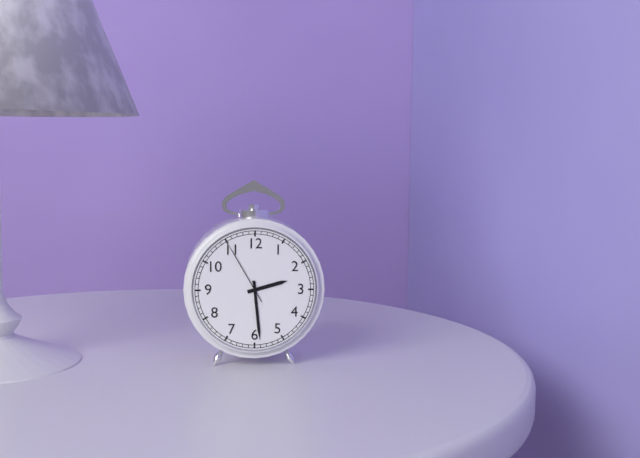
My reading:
h=2 m=29 s=55
